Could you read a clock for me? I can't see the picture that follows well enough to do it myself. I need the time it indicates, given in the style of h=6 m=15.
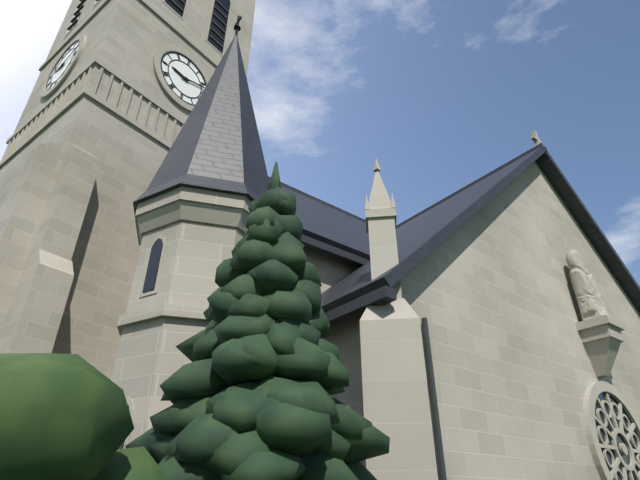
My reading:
h=9 m=12
